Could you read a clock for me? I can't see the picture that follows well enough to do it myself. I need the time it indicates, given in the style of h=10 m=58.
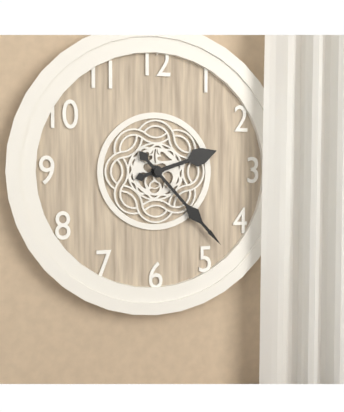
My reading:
h=2 m=23
